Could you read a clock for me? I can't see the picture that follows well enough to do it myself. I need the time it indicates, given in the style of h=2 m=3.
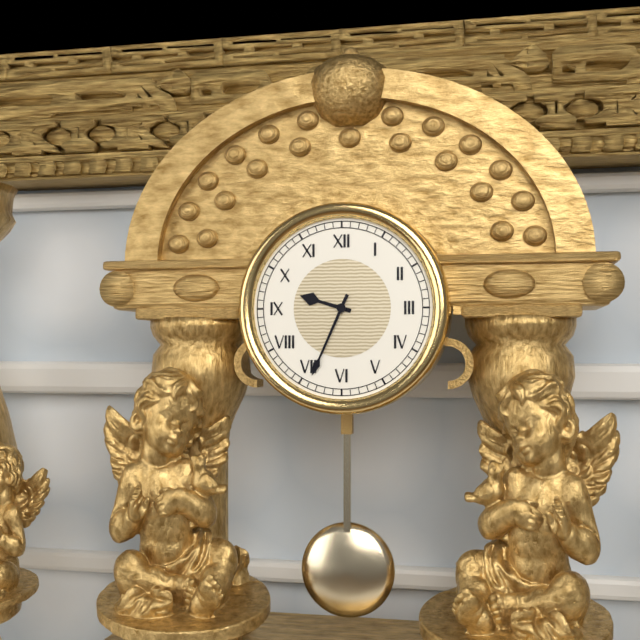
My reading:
h=9 m=34
